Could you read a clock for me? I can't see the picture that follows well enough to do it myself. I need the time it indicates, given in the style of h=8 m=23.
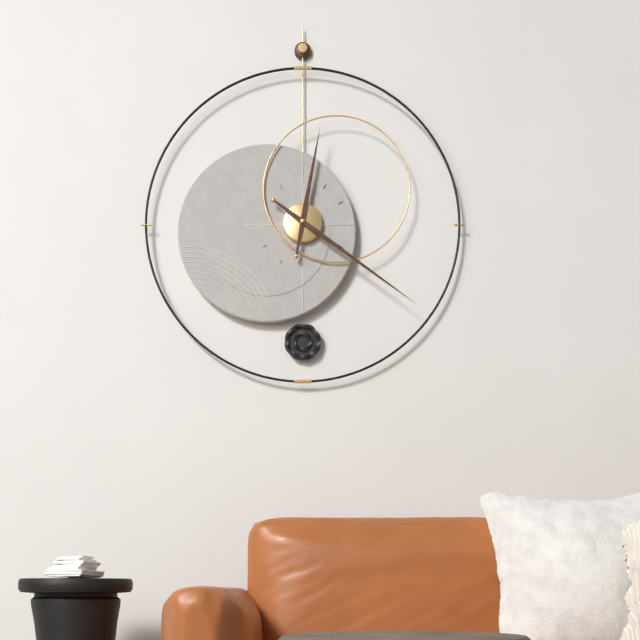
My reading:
h=12 m=21
